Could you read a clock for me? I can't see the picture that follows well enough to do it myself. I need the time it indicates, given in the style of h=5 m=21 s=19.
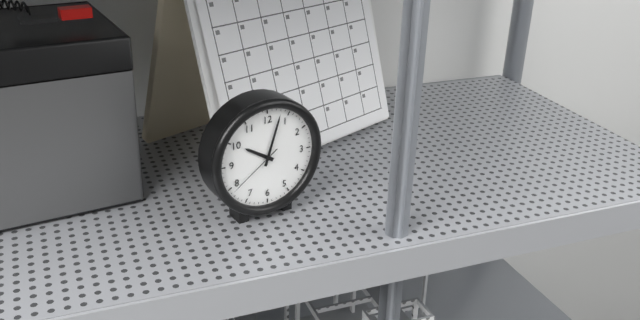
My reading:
h=10 m=3 s=39
